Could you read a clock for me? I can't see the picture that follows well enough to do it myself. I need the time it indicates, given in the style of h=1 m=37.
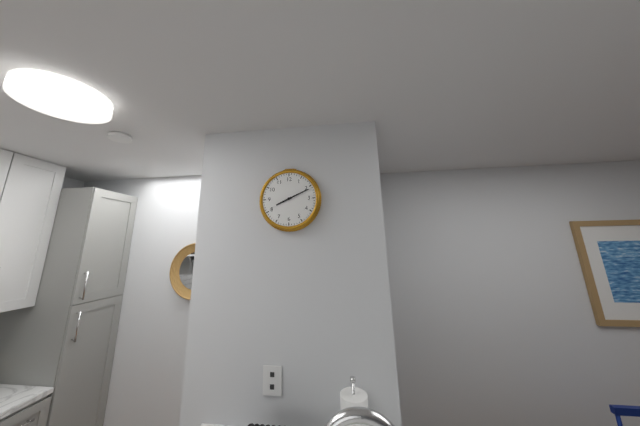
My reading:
h=8 m=11
